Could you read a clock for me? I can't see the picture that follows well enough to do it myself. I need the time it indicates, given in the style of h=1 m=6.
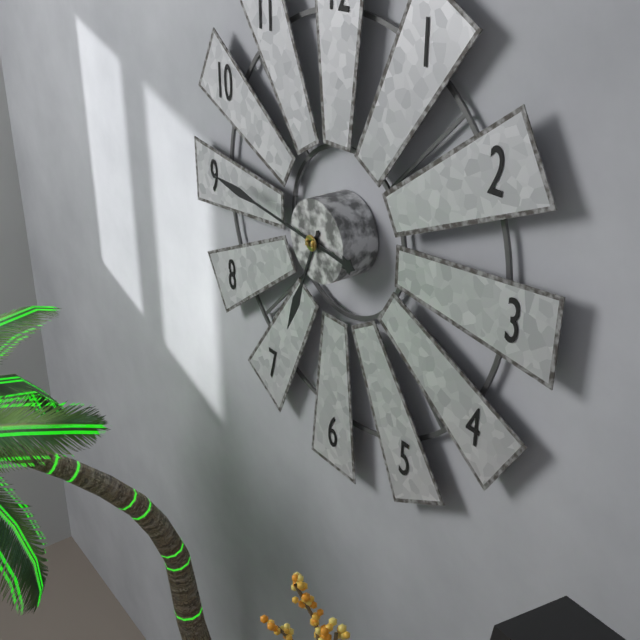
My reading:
h=6 m=46
